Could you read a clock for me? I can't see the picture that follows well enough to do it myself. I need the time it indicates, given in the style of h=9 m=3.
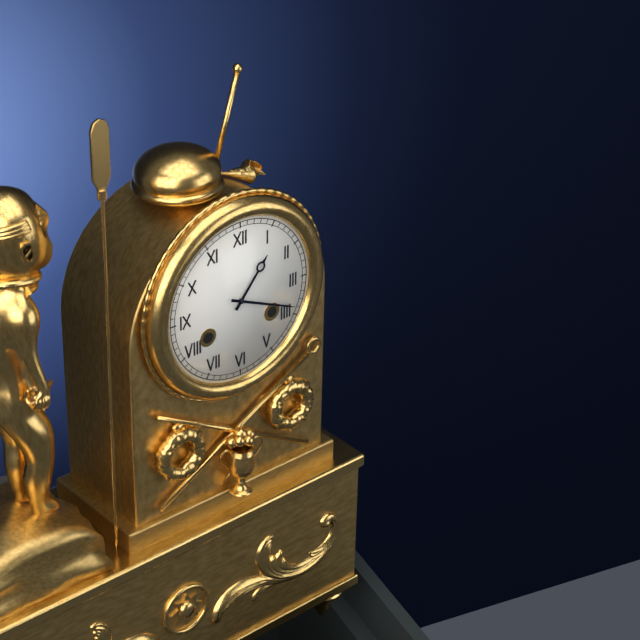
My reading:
h=1 m=19
